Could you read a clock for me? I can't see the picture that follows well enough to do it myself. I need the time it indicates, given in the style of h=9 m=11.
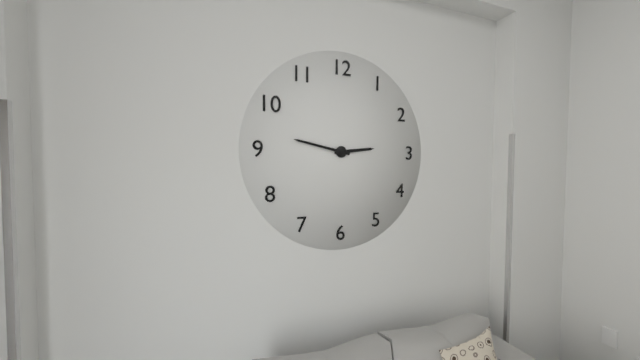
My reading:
h=2 m=47
